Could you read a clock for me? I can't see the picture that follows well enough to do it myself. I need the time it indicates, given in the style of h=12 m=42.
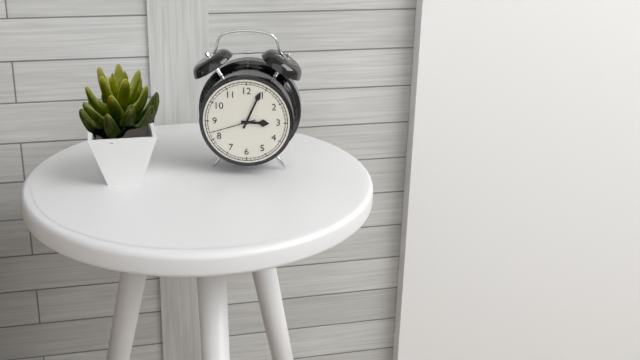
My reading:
h=3 m=4
